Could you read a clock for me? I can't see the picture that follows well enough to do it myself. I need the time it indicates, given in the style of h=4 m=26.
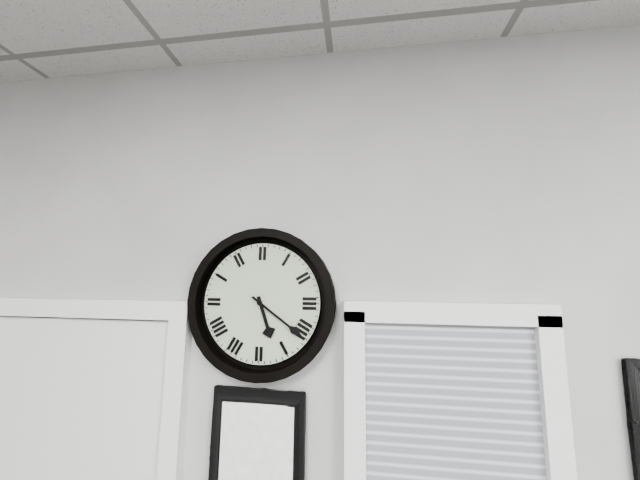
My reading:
h=5 m=21
